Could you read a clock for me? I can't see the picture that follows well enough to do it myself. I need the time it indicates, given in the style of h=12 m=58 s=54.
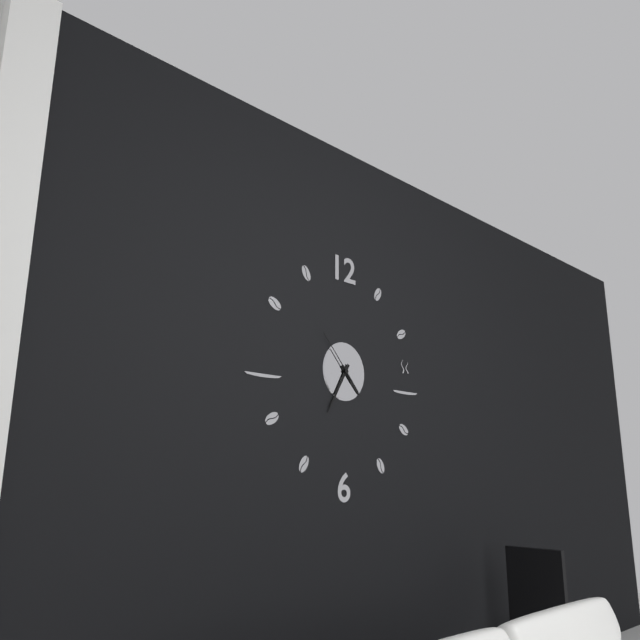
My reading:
h=4 m=35 s=53
